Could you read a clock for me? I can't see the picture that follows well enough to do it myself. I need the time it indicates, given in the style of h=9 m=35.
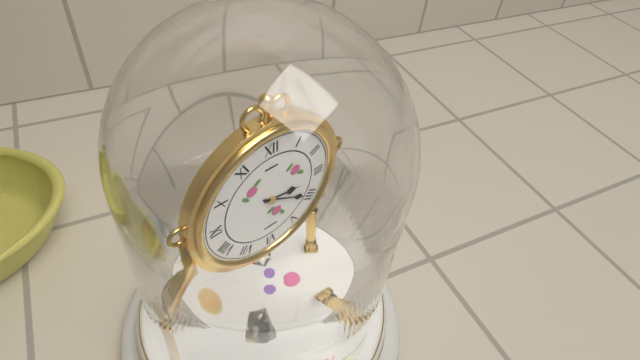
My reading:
h=3 m=20
